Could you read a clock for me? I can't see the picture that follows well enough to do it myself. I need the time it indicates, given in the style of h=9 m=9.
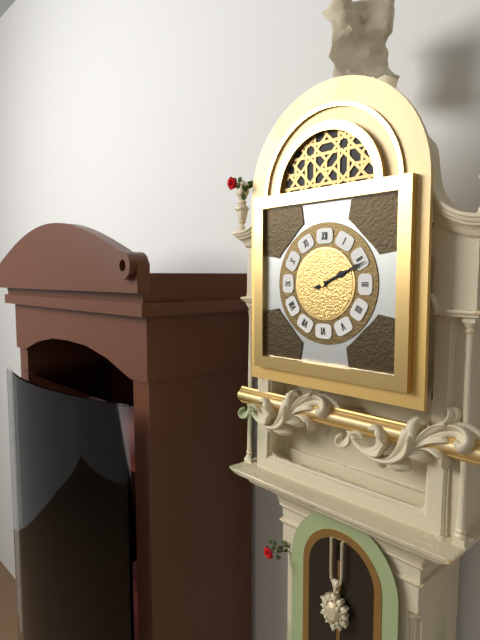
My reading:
h=2 m=11
